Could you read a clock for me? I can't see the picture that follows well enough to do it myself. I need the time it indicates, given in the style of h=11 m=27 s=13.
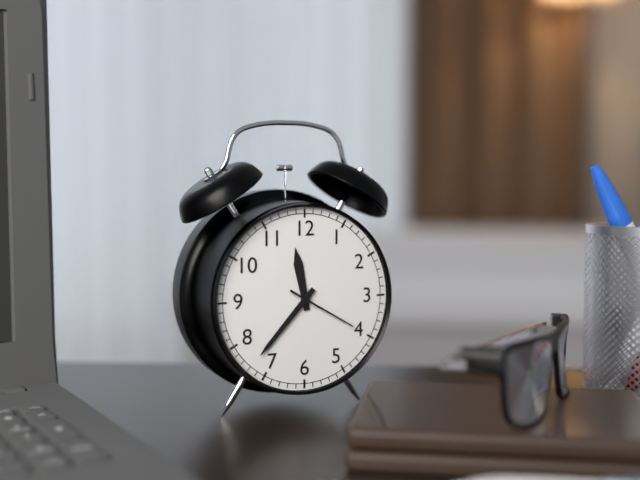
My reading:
h=11 m=37 s=20
